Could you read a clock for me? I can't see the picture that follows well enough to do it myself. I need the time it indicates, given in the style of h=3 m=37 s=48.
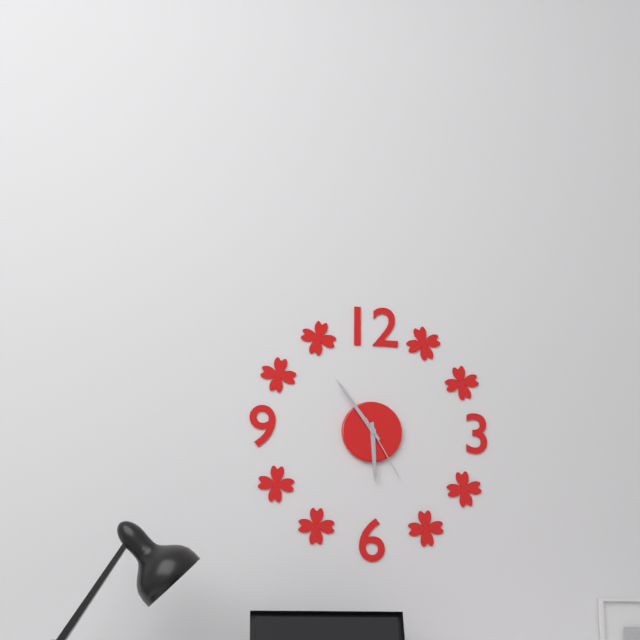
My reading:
h=5 m=54 s=25
